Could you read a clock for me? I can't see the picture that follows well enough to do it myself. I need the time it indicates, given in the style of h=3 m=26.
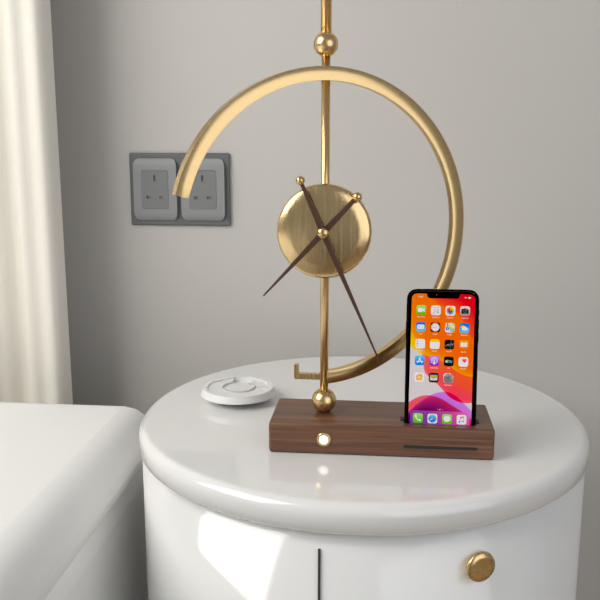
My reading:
h=7 m=26
